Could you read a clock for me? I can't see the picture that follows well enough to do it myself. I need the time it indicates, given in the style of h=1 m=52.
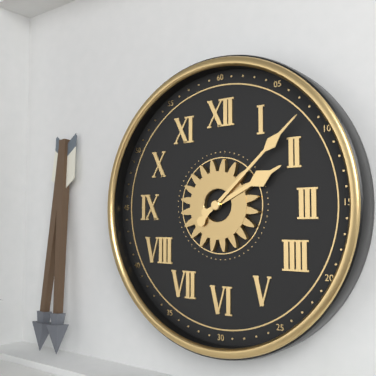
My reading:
h=2 m=8
